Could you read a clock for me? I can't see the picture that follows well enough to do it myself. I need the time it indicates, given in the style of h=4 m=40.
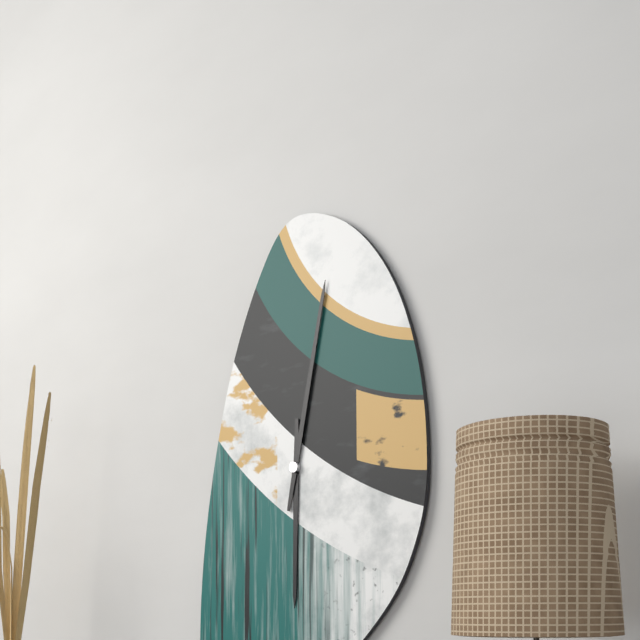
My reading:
h=6 m=2
